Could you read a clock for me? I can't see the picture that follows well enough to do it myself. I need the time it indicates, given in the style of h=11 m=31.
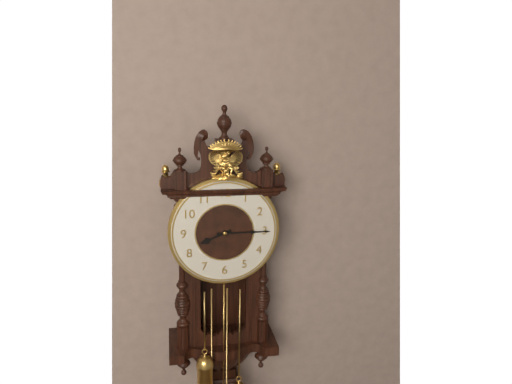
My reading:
h=8 m=15
